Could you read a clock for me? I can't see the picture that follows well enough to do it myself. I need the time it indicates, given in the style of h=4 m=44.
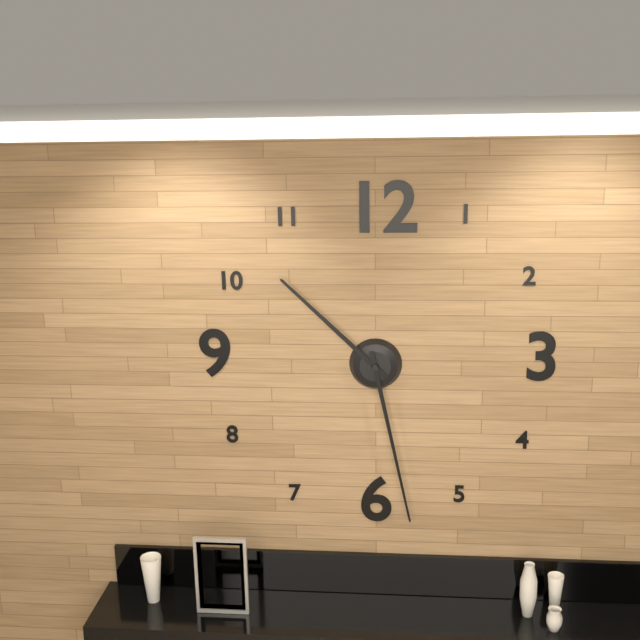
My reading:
h=10 m=28
